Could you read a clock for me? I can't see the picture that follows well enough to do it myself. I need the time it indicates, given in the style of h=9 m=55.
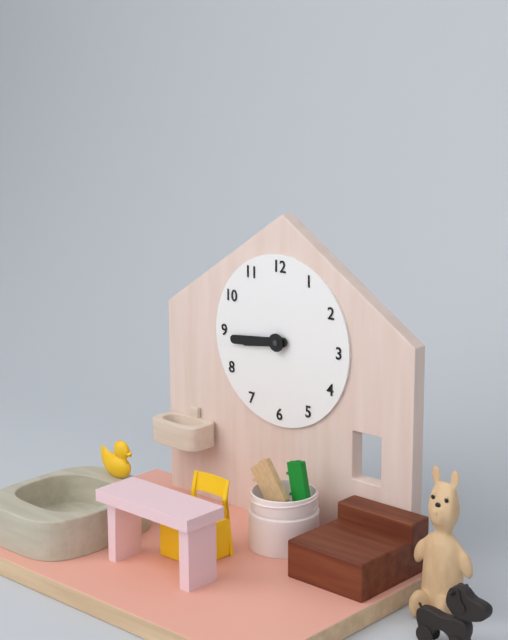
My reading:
h=8 m=44
